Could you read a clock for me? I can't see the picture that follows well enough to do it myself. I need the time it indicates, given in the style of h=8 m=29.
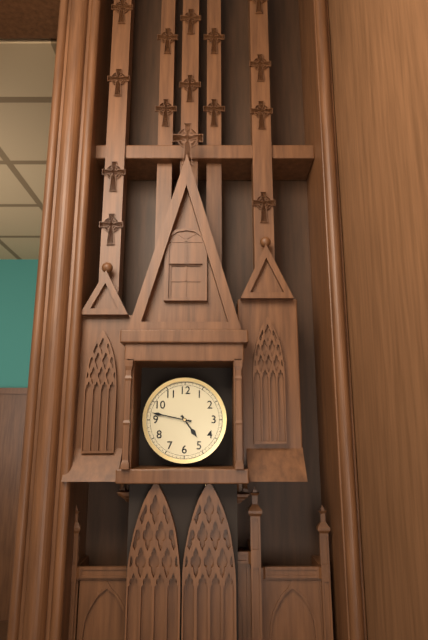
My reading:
h=4 m=47
